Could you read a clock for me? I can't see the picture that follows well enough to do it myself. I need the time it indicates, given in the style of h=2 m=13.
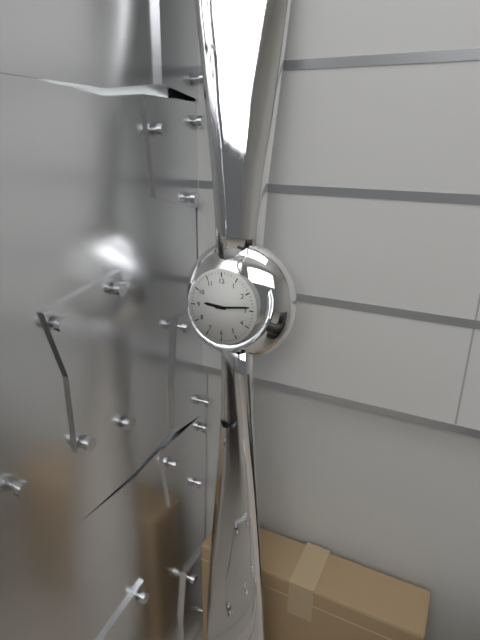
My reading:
h=9 m=14
